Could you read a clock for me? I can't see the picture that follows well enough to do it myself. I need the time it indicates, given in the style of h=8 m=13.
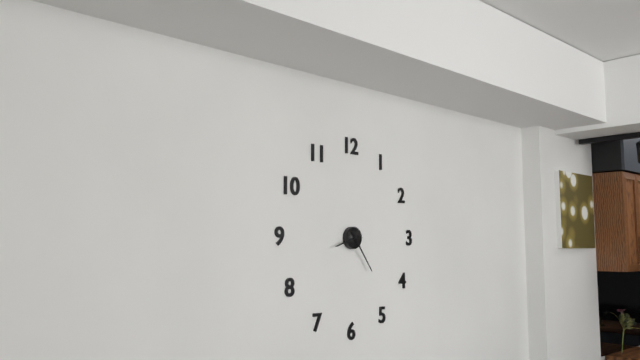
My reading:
h=8 m=24
